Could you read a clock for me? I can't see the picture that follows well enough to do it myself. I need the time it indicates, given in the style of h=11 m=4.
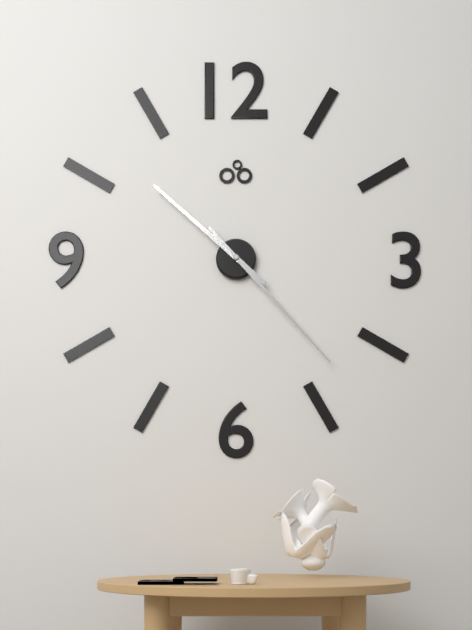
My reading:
h=10 m=23
